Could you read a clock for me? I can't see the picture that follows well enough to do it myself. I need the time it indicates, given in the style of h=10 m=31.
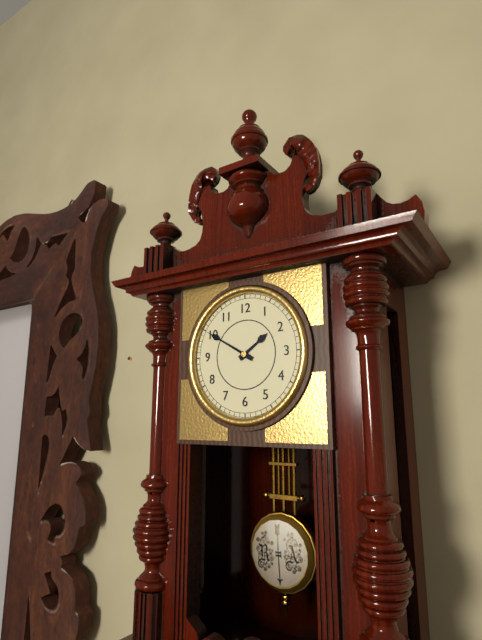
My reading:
h=1 m=50
